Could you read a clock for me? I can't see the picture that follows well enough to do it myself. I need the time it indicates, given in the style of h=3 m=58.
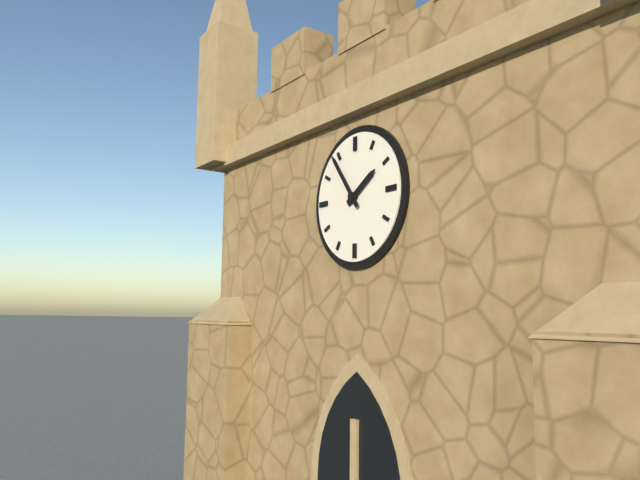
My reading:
h=1 m=54
